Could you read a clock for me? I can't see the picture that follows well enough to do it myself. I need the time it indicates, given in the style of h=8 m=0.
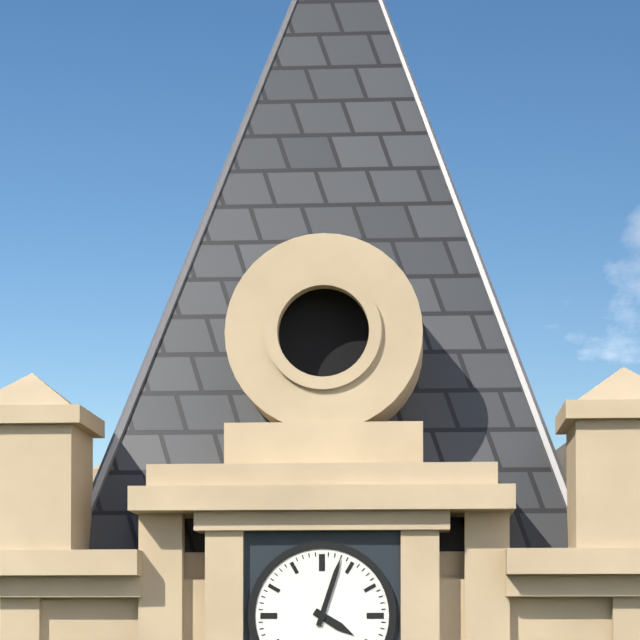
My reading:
h=4 m=3
